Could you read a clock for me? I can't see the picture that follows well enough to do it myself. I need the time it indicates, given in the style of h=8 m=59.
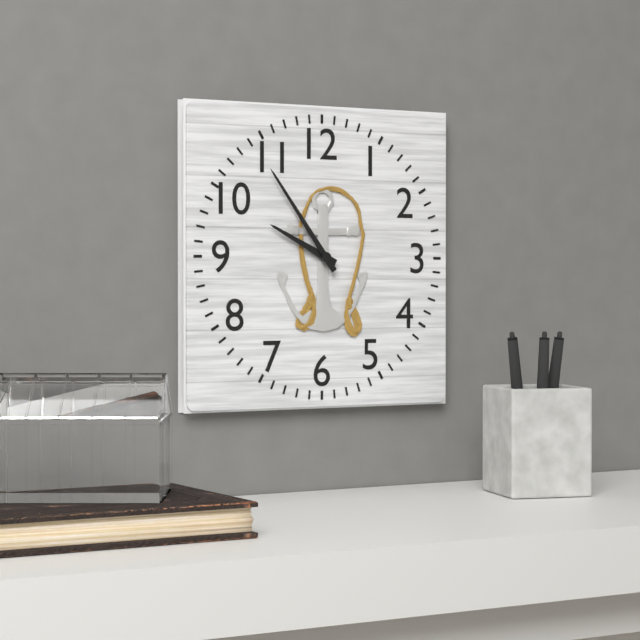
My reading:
h=9 m=54
